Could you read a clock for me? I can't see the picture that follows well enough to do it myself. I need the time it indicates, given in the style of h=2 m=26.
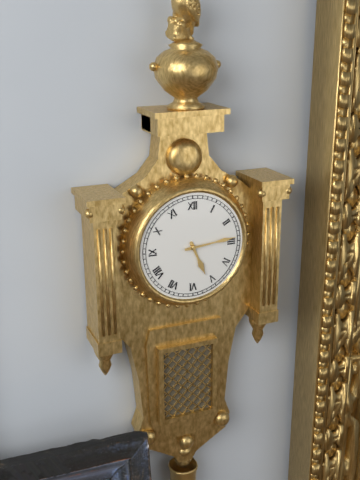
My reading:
h=5 m=14
